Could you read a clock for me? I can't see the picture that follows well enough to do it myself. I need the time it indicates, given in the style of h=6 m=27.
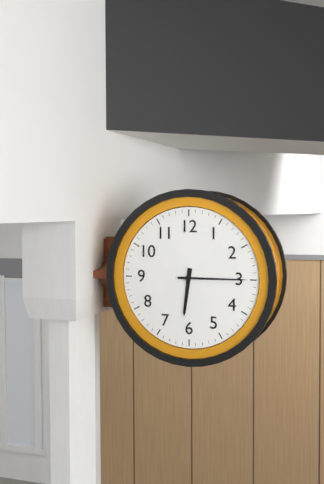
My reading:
h=6 m=15
